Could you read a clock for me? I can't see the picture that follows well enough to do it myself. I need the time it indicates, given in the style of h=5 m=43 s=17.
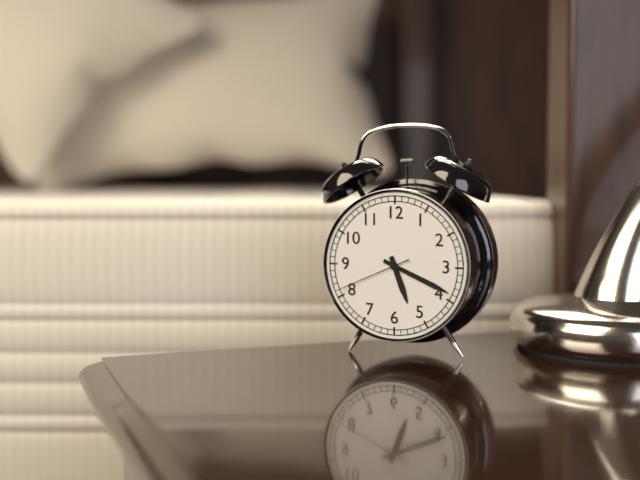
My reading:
h=5 m=19 s=41
